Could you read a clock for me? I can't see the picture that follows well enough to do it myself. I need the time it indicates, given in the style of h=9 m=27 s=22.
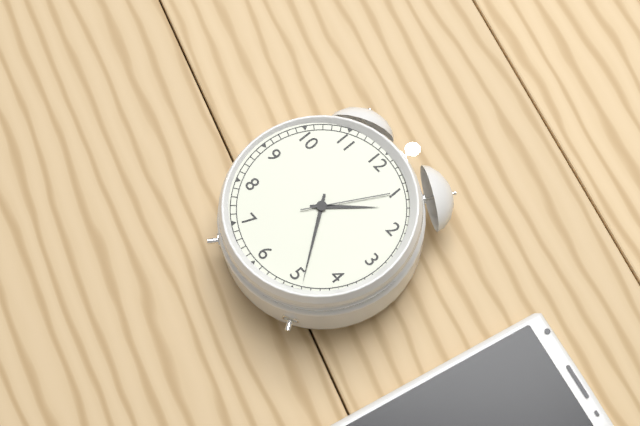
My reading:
h=1 m=24 s=5
